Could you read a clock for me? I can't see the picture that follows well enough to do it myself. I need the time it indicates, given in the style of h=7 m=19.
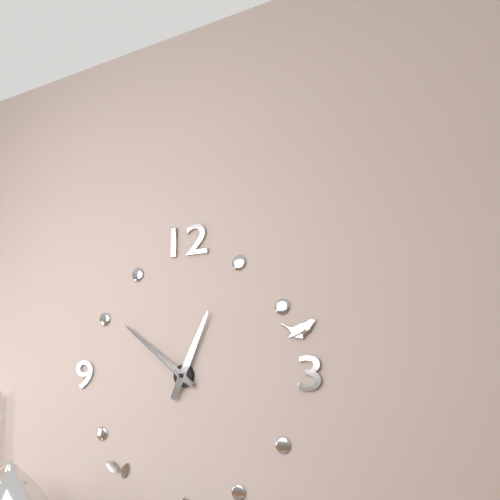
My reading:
h=12 m=51
